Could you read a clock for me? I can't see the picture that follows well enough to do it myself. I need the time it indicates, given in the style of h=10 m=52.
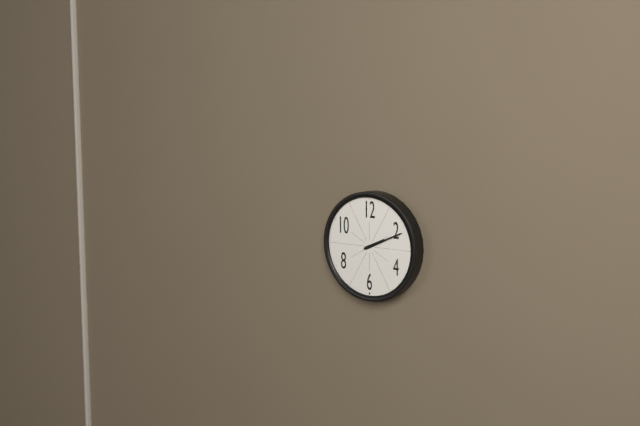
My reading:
h=2 m=11
